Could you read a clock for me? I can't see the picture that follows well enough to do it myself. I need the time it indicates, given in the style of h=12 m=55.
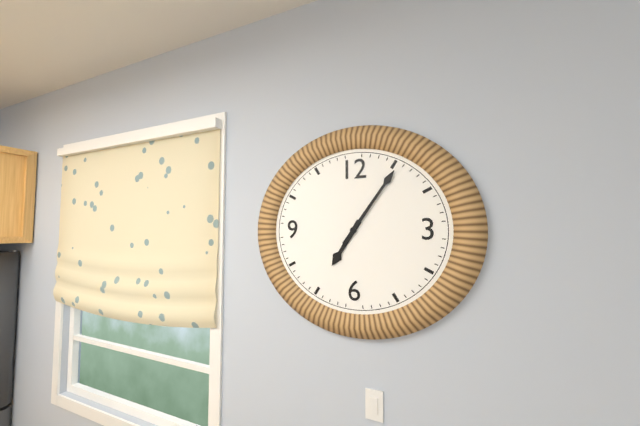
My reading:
h=7 m=6
